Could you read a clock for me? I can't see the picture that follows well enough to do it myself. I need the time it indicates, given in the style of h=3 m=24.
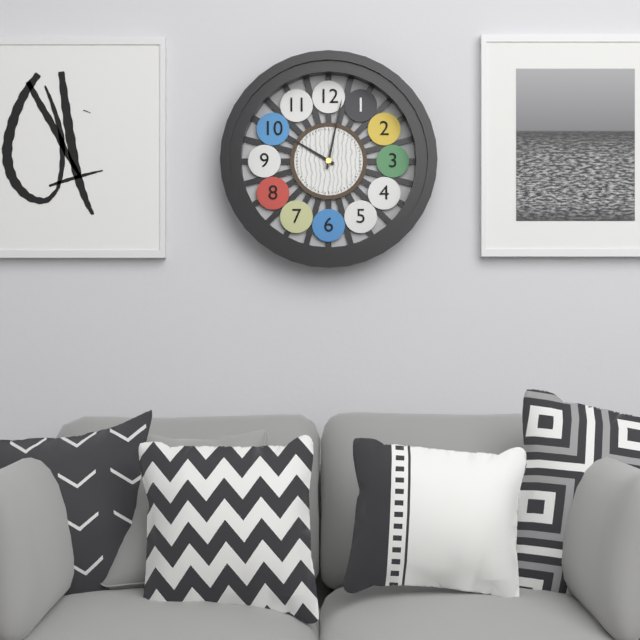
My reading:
h=10 m=2
